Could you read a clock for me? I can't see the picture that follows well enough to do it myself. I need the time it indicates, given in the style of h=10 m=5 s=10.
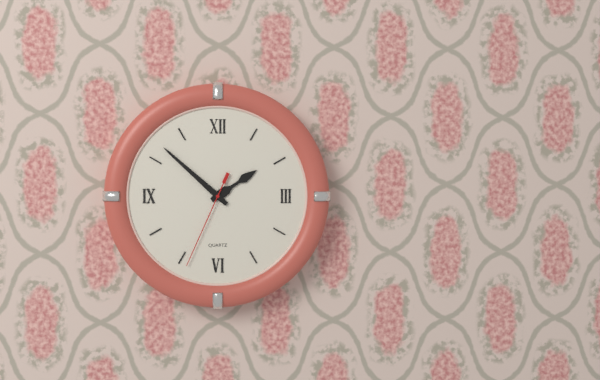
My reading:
h=1 m=52 s=34
